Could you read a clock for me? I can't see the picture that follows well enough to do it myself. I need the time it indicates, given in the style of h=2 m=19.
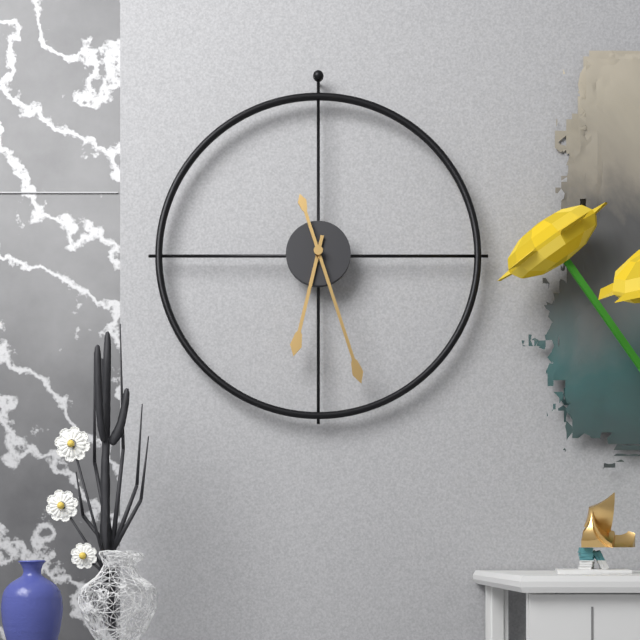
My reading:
h=6 m=27
